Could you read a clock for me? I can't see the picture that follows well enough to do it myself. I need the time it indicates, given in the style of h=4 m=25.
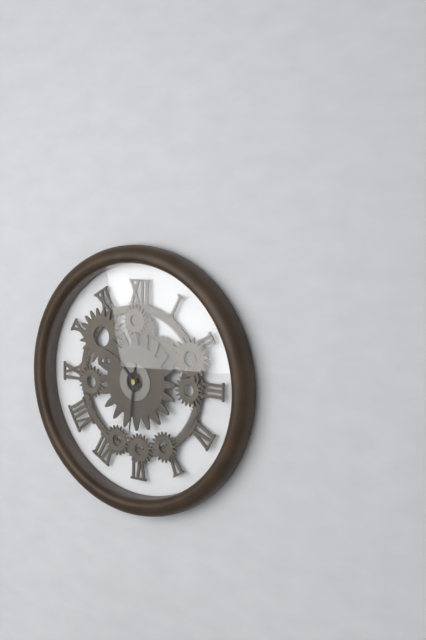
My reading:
h=10 m=31
